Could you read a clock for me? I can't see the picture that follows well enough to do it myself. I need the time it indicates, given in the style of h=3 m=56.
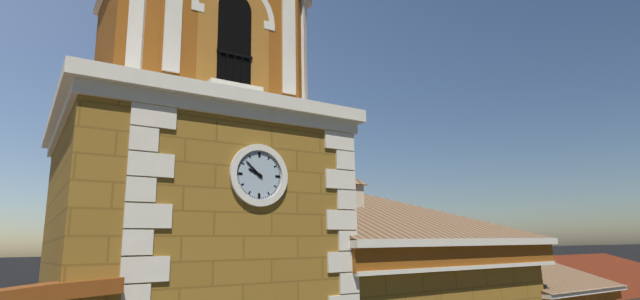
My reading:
h=9 m=52
